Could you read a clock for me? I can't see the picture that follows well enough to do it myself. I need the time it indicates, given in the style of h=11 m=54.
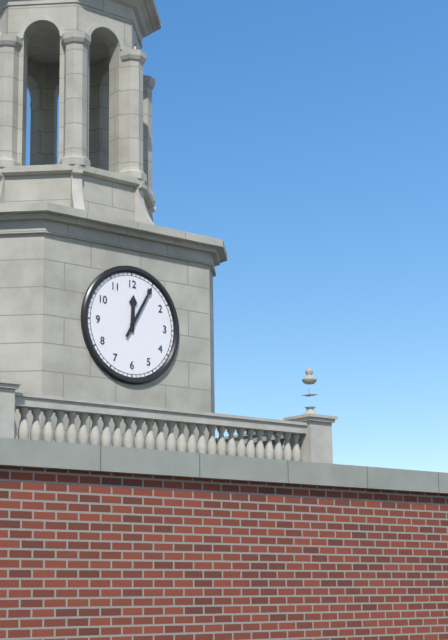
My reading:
h=12 m=5
